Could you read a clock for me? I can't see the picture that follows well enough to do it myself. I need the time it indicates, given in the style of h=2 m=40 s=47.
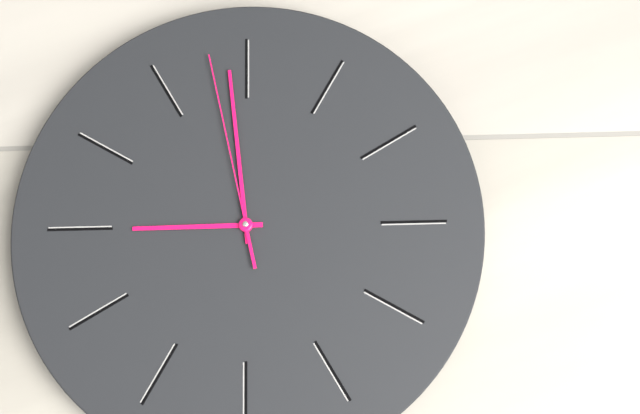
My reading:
h=8 m=59 s=58
